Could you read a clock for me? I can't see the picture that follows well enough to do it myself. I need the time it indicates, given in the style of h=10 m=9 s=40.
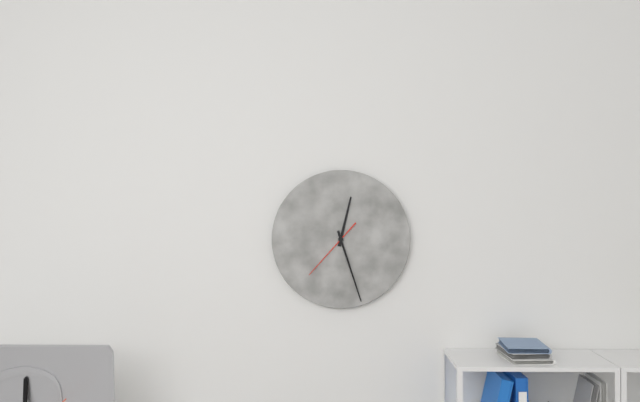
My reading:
h=12 m=27 s=37
